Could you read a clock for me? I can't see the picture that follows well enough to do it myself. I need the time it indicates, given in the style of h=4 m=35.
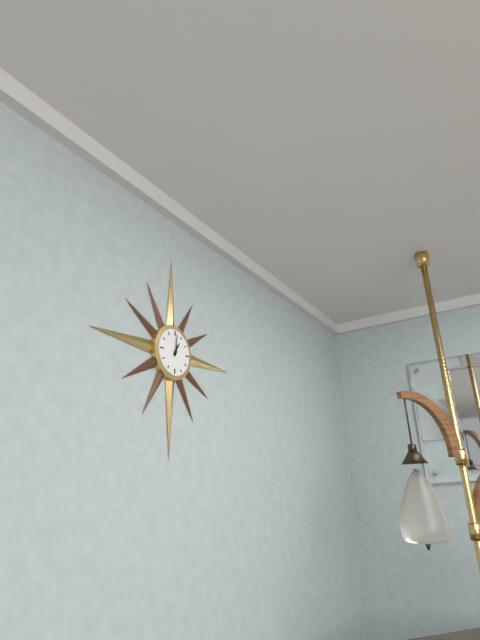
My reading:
h=1 m=1
